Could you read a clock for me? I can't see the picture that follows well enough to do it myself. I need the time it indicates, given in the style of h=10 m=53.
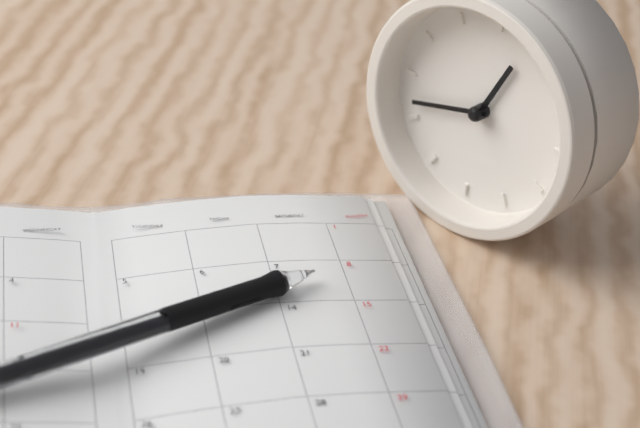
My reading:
h=12 m=42
